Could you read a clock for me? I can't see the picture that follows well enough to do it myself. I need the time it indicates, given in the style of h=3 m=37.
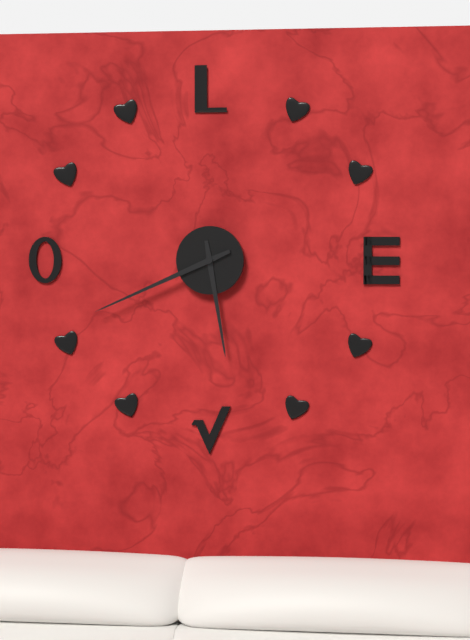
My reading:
h=5 m=41
